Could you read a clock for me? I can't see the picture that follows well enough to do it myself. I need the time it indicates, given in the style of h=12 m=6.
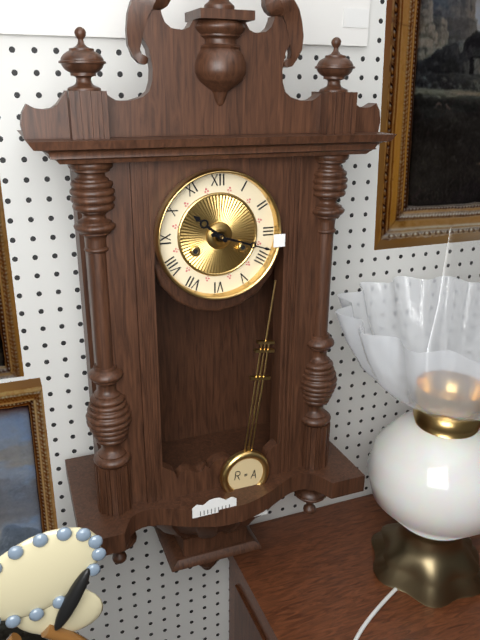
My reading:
h=10 m=18
